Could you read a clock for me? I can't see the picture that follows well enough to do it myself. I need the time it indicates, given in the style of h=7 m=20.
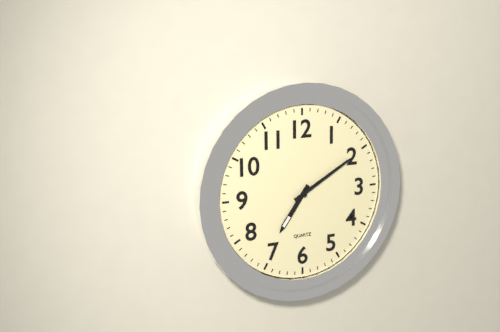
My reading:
h=7 m=10
